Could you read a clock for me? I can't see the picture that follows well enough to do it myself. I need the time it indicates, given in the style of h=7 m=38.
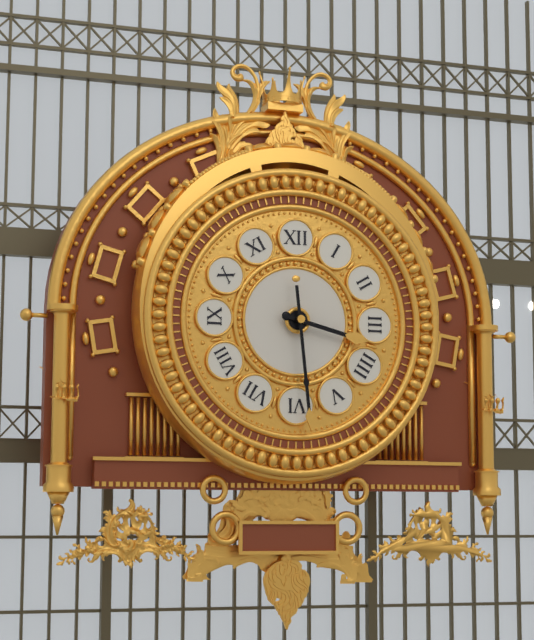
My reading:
h=3 m=29
